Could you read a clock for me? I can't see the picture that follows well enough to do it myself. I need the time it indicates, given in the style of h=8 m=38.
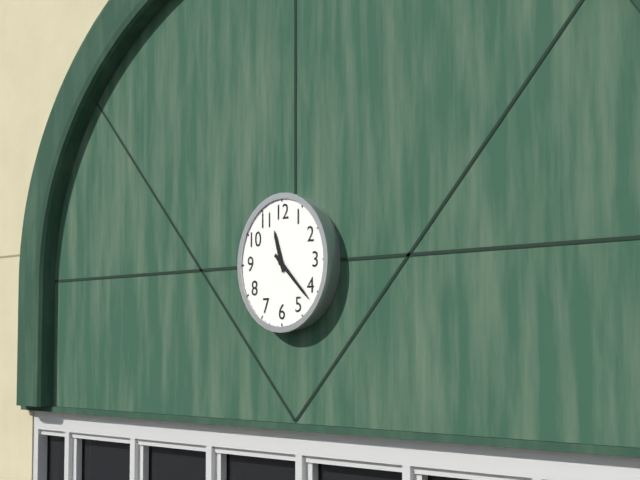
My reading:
h=11 m=22
